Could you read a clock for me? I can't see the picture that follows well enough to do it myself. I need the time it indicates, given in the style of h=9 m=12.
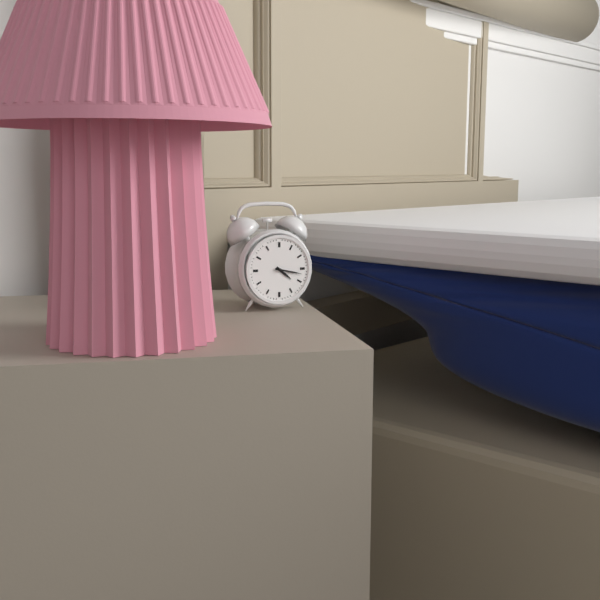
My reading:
h=4 m=17
